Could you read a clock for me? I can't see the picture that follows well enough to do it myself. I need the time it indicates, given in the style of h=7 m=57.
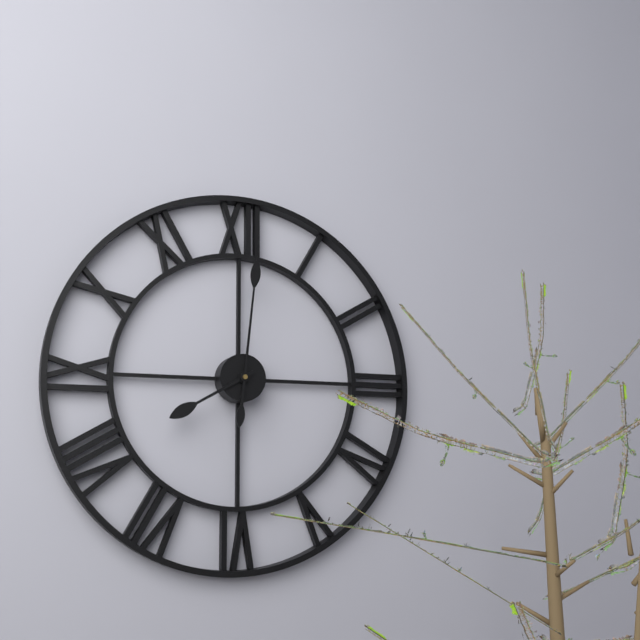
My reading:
h=8 m=1
